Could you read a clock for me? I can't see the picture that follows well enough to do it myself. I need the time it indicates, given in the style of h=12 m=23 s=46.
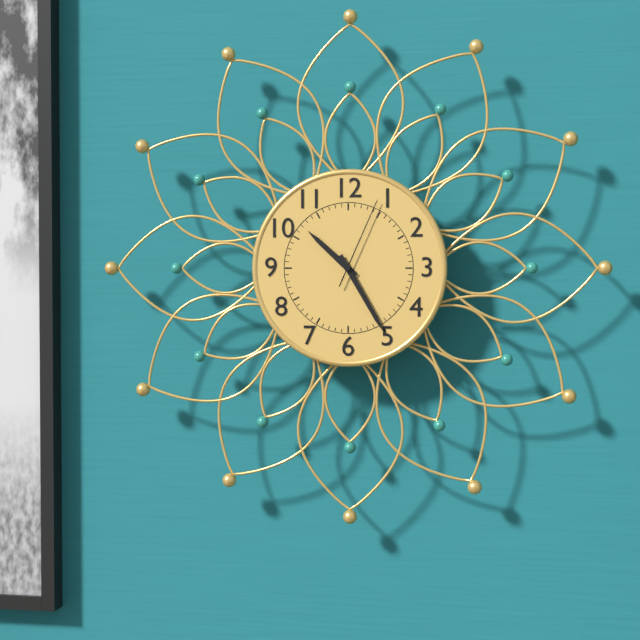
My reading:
h=10 m=25 s=4
